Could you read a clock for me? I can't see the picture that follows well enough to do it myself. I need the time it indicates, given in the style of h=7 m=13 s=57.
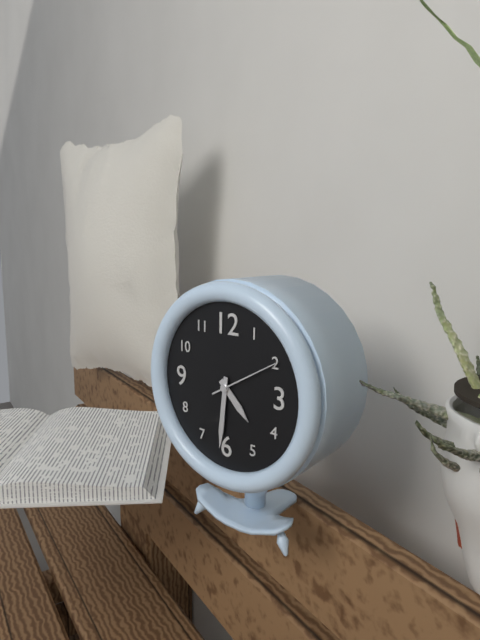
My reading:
h=4 m=31 s=10
